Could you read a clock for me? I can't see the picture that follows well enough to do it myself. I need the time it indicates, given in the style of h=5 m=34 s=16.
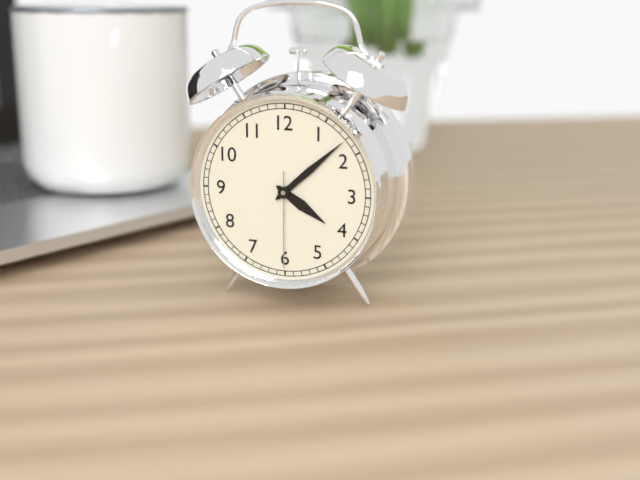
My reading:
h=4 m=8 s=30
